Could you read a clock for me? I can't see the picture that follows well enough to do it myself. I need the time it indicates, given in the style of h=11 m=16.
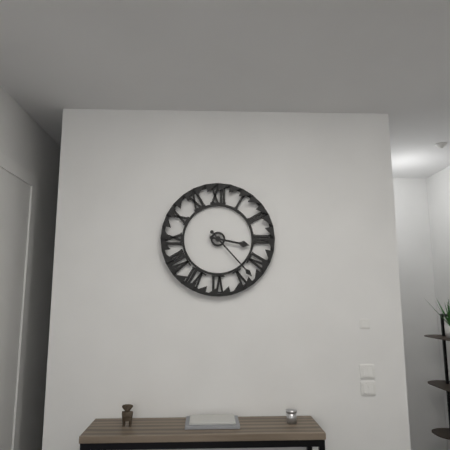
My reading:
h=3 m=23
